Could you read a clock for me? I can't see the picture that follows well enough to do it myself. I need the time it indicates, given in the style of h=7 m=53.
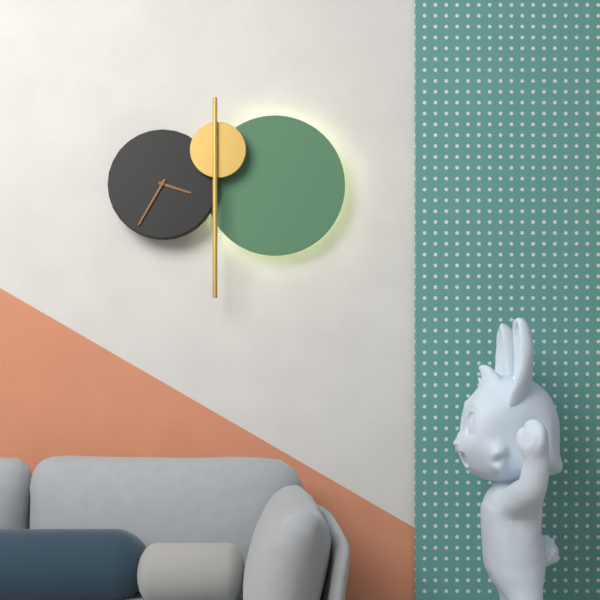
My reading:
h=3 m=35
